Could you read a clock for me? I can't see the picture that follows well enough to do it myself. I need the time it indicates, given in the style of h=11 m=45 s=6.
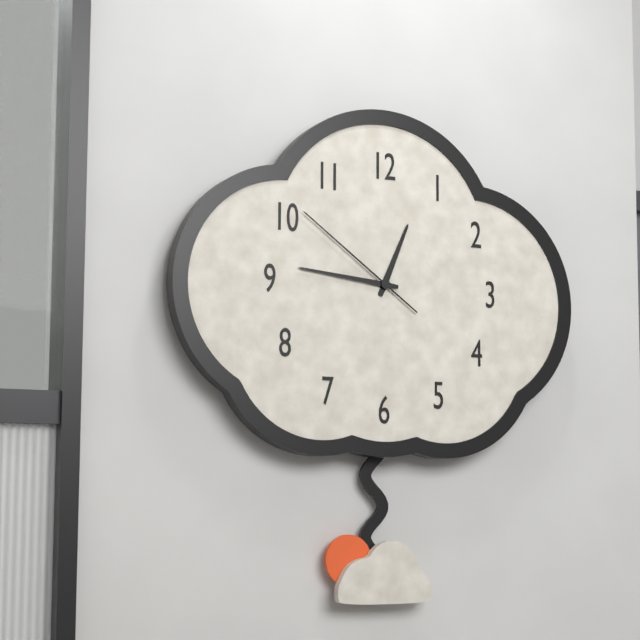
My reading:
h=12 m=46 s=51
